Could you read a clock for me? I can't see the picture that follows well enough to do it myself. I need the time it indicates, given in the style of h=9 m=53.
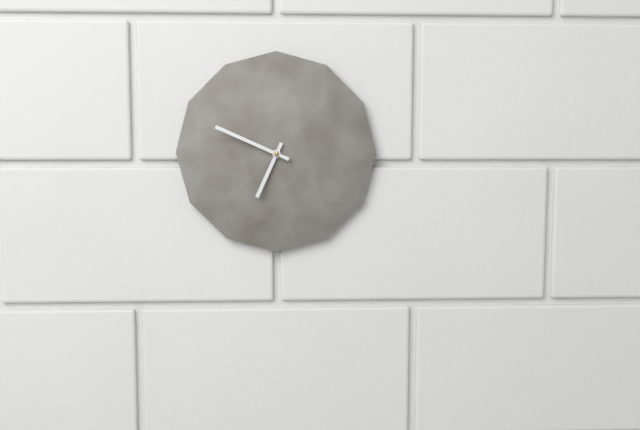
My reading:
h=6 m=49
